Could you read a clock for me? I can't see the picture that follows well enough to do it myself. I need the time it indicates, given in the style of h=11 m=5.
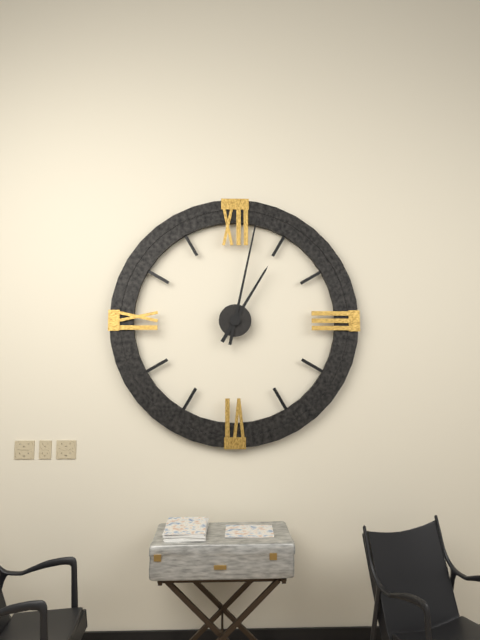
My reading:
h=1 m=2
